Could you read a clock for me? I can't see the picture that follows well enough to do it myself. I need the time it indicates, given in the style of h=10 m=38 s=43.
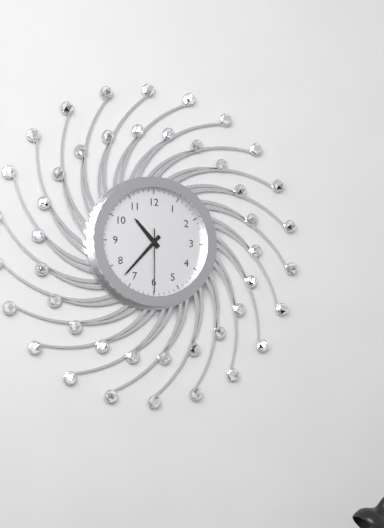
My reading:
h=10 m=37 s=30
